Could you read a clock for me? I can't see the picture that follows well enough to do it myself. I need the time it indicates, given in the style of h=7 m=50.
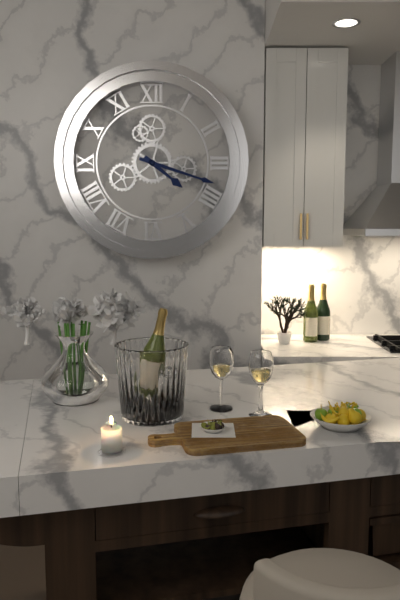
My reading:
h=4 m=18
